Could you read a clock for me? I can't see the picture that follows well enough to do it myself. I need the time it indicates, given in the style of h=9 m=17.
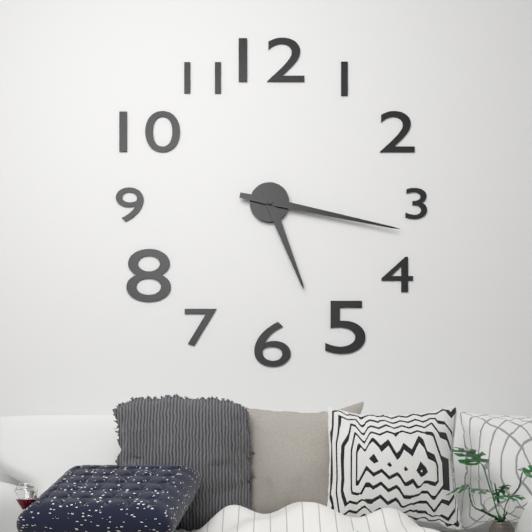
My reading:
h=5 m=17
